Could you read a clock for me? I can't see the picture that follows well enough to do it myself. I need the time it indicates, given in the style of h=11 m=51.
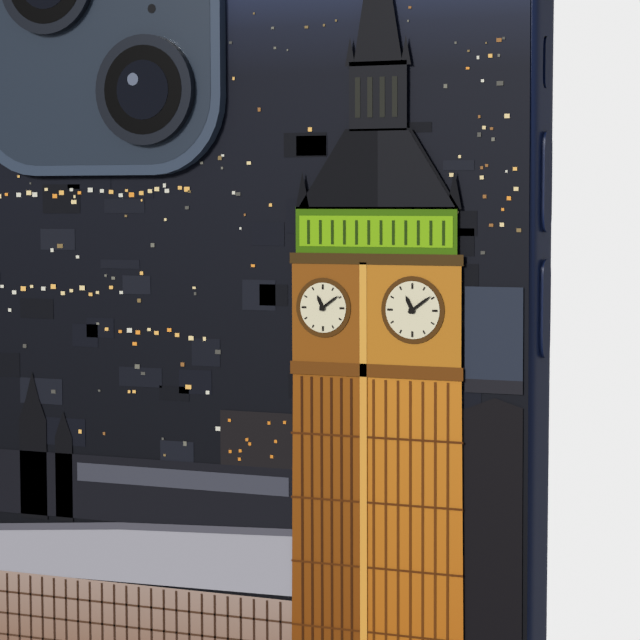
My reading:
h=11 m=9
